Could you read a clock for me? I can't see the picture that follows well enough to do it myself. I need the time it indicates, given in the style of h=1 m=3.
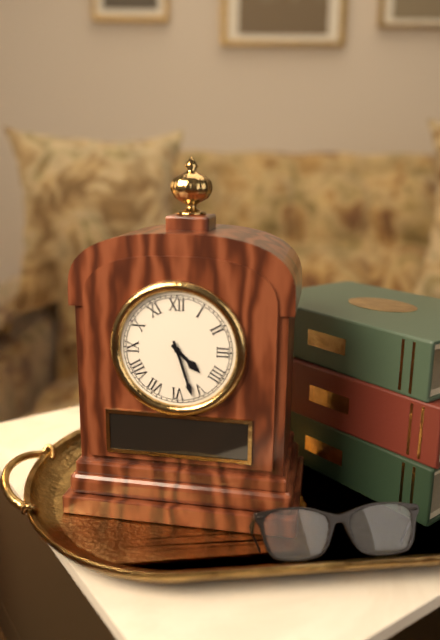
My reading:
h=4 m=27
